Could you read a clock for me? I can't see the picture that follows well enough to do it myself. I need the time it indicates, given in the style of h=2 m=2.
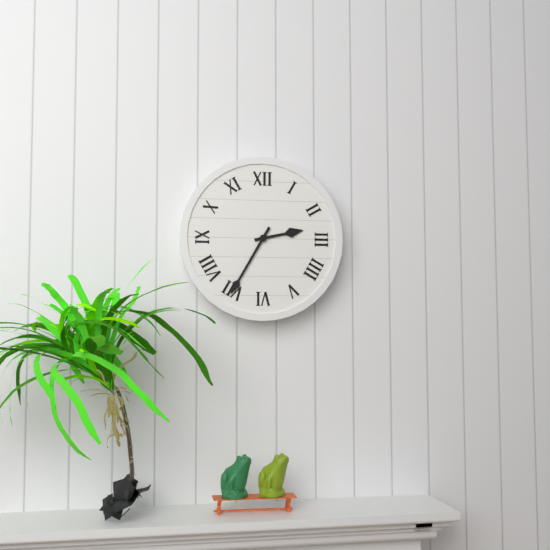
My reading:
h=2 m=35
